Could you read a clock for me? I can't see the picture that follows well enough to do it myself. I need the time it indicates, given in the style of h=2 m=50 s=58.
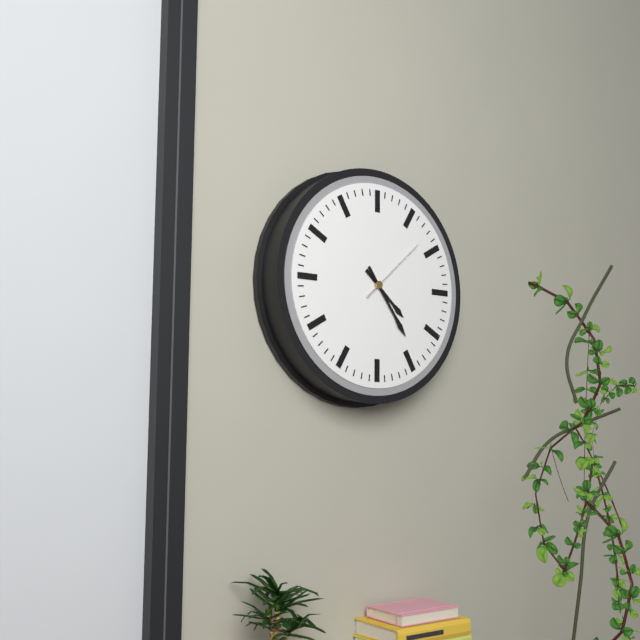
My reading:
h=4 m=24 s=8
